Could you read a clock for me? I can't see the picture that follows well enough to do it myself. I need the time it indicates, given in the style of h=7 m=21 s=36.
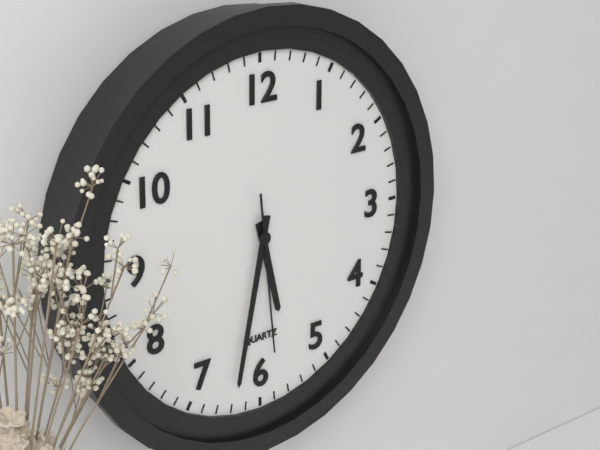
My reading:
h=5 m=32 s=29
